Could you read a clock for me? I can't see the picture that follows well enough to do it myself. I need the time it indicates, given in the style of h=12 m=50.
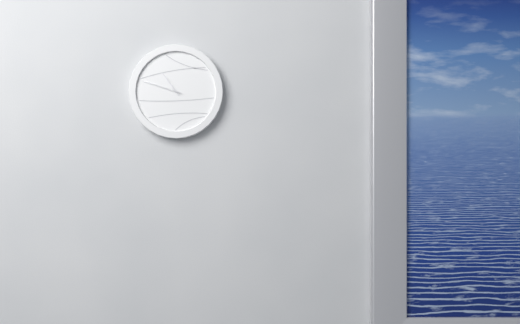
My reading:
h=10 m=48
